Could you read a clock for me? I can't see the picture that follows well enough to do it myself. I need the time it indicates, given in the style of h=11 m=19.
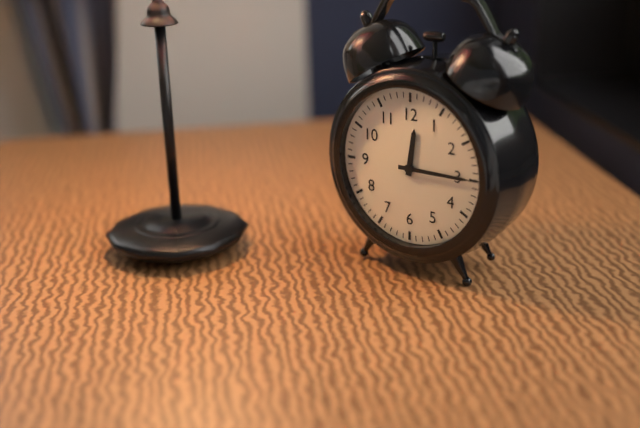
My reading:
h=12 m=15
